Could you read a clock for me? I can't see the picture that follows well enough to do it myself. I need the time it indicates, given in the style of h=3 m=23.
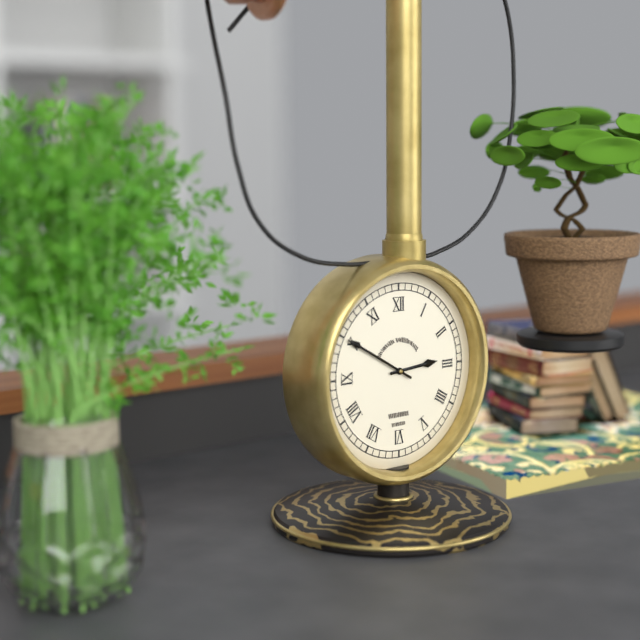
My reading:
h=2 m=50
